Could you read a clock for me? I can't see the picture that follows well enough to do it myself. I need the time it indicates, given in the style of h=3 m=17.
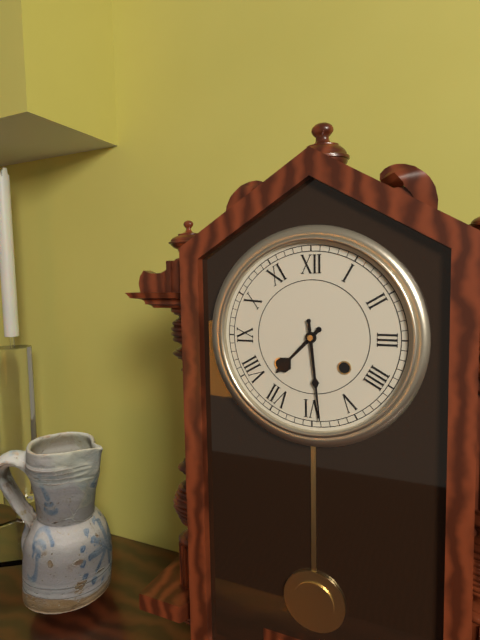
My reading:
h=7 m=29
